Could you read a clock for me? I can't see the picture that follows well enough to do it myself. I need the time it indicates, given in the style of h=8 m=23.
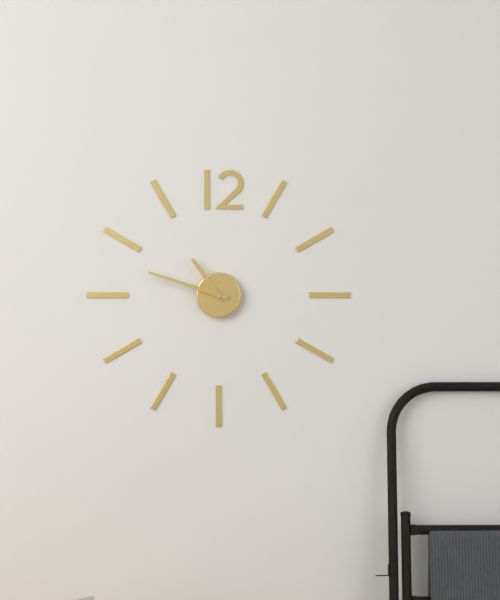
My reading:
h=10 m=48
